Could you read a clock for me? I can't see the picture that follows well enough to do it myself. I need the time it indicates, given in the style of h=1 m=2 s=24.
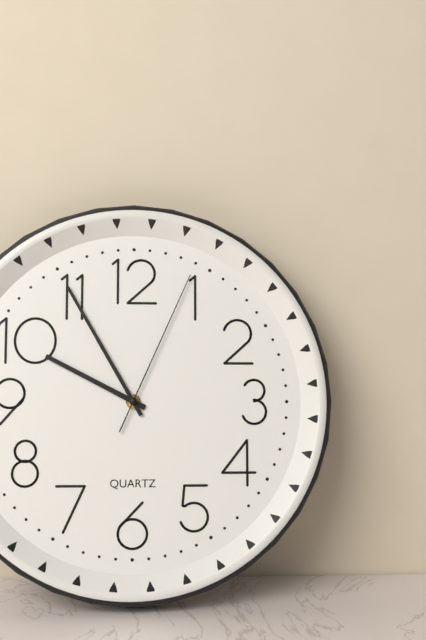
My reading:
h=9 m=55 s=4
